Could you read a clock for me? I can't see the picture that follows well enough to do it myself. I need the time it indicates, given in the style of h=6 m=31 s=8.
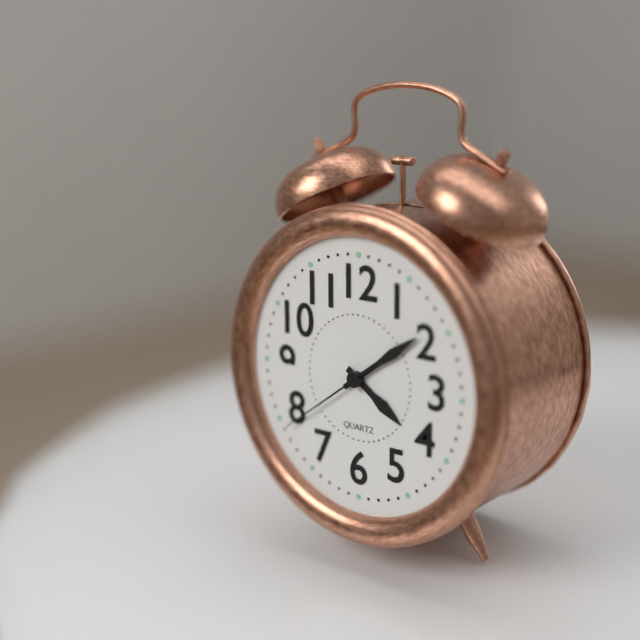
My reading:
h=4 m=9 s=39
